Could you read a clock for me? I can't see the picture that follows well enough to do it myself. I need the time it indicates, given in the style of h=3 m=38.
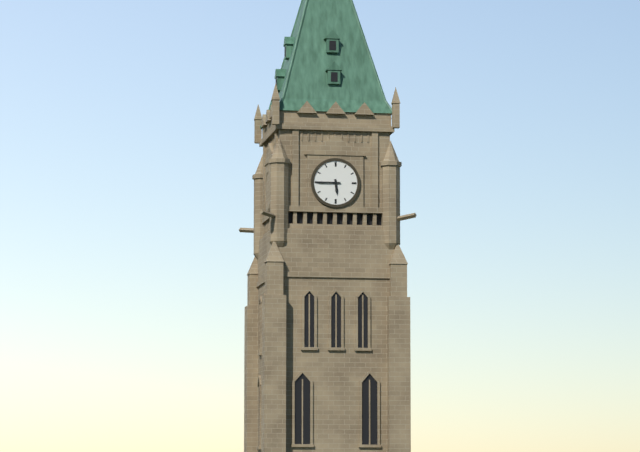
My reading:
h=5 m=45
